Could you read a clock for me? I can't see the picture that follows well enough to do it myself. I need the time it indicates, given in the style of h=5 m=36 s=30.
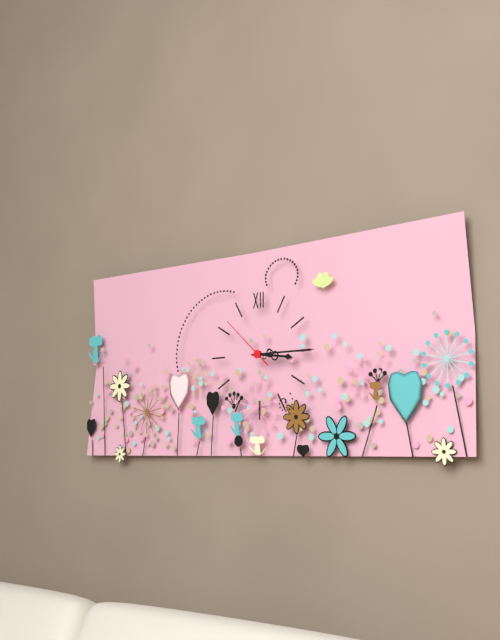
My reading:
h=3 m=15 s=52
